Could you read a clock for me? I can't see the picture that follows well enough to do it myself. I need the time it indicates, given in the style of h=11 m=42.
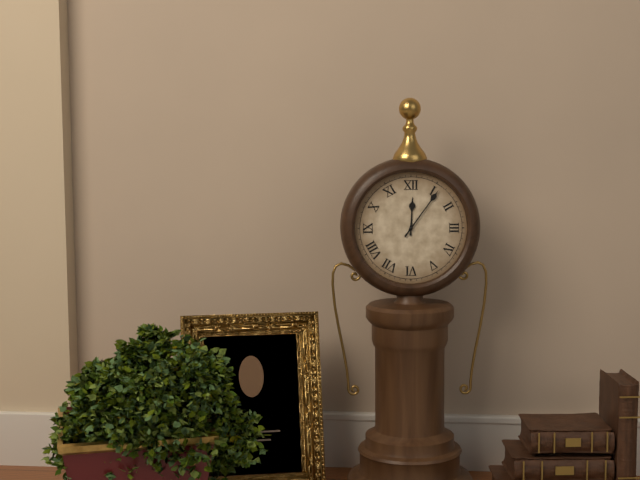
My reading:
h=12 m=6
